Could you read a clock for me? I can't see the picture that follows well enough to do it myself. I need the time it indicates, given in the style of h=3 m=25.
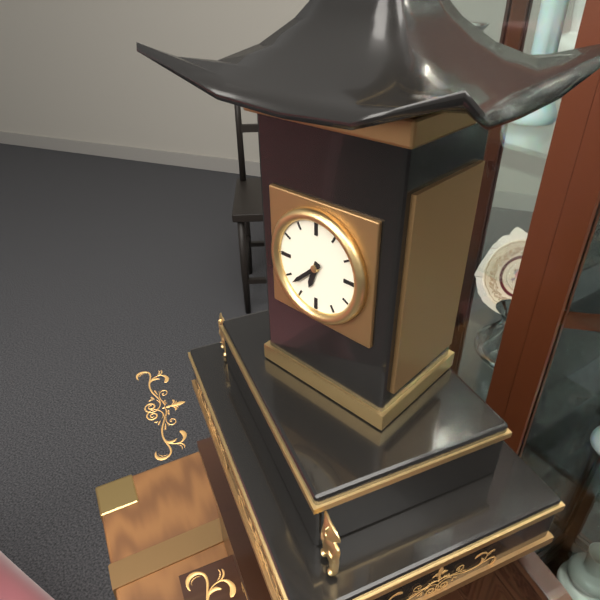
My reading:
h=6 m=38
